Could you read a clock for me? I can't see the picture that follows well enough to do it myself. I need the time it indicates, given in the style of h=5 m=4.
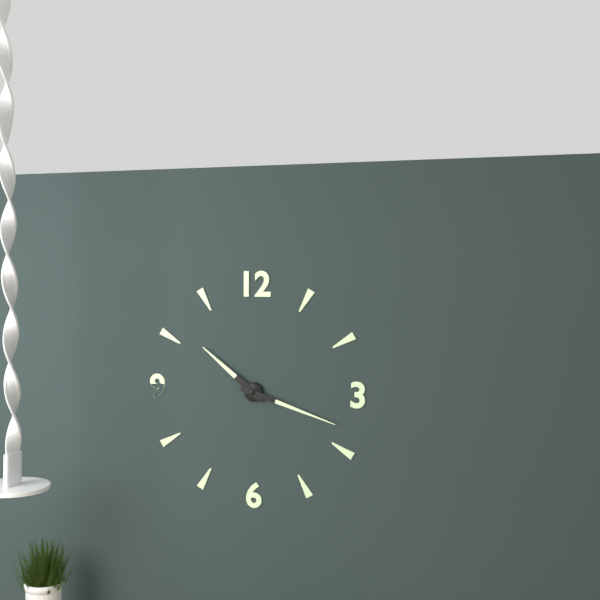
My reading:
h=10 m=18
